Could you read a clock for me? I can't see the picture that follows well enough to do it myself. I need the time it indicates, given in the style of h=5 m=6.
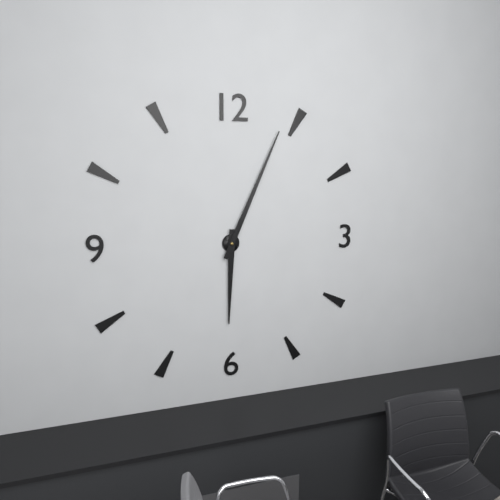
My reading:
h=6 m=4
